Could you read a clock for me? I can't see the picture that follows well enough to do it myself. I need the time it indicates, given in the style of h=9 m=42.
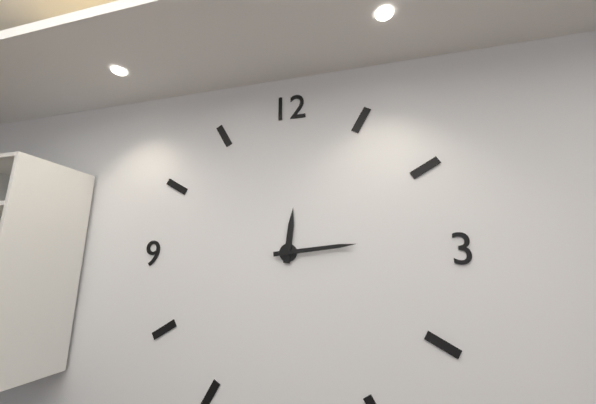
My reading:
h=12 m=14
